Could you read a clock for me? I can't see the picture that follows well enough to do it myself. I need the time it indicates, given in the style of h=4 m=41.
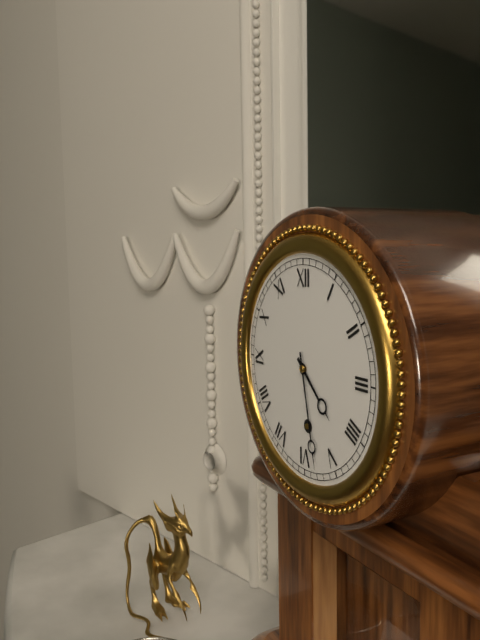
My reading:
h=4 m=28
